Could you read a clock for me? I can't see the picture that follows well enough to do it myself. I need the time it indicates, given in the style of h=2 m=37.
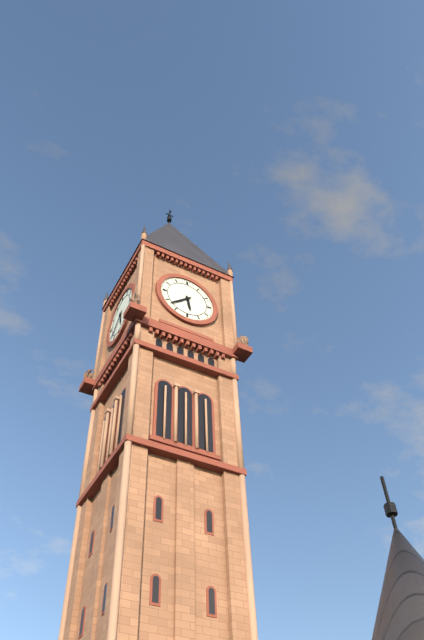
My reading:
h=5 m=38
